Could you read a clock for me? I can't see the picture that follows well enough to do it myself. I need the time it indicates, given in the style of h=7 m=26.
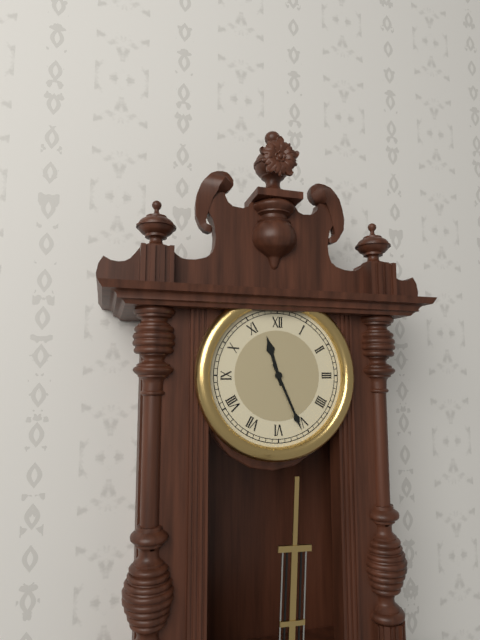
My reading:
h=11 m=26
